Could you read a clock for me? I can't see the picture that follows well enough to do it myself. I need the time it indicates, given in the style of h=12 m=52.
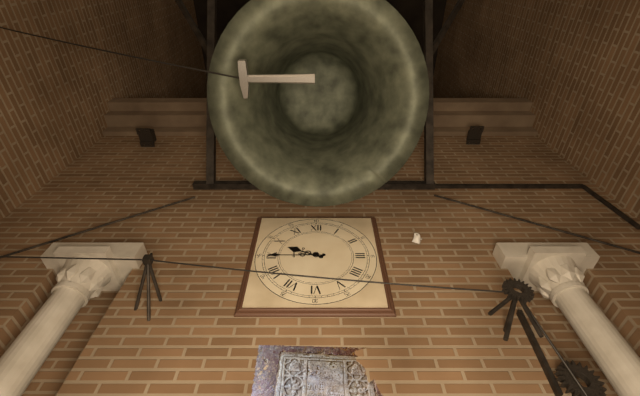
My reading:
h=9 m=45
